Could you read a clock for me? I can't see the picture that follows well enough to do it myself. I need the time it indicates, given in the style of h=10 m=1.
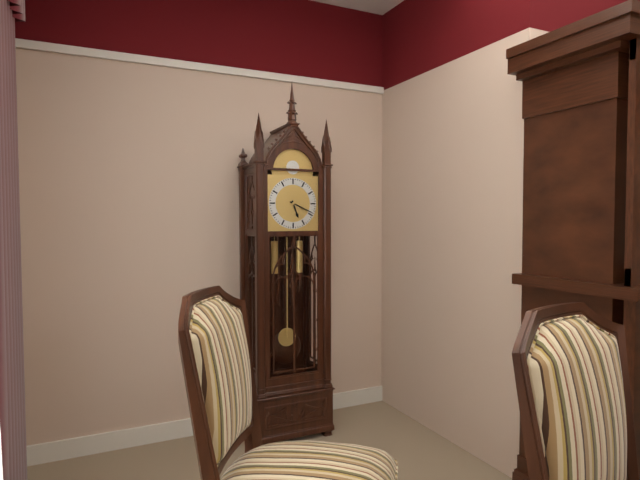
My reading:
h=5 m=19
